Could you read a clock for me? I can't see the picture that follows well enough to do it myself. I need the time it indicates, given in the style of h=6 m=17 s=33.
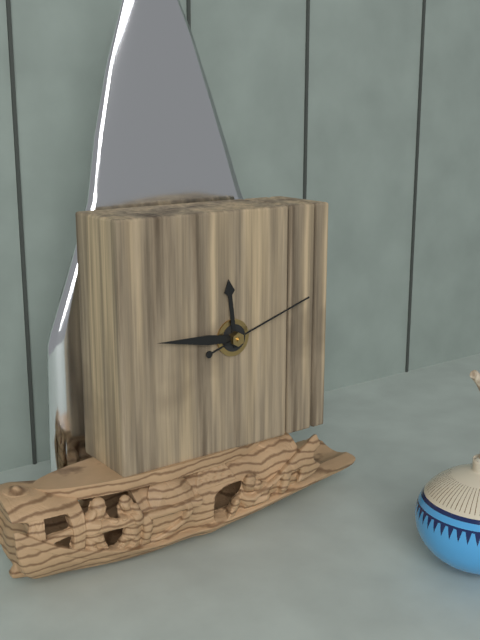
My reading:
h=11 m=46 s=12
